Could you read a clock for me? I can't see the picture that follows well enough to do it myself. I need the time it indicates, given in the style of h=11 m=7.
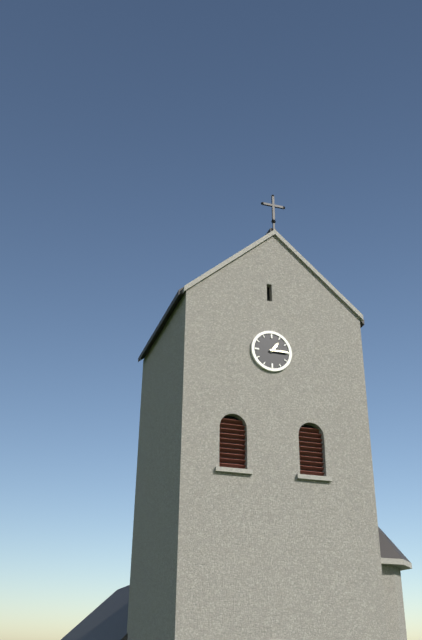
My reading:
h=1 m=15
